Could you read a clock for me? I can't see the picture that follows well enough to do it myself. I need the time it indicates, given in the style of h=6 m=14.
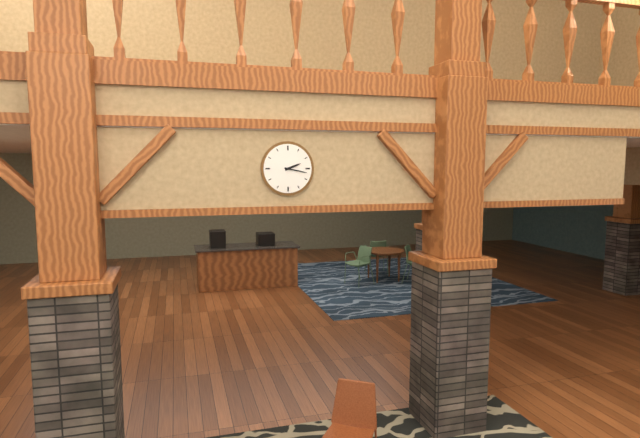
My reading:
h=2 m=17
